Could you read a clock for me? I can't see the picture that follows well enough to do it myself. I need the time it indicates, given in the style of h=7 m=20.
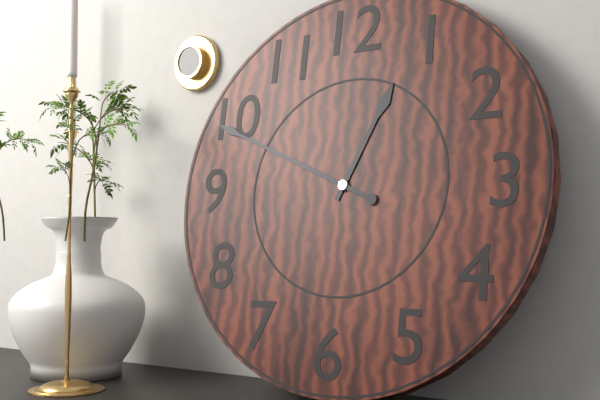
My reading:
h=12 m=49
